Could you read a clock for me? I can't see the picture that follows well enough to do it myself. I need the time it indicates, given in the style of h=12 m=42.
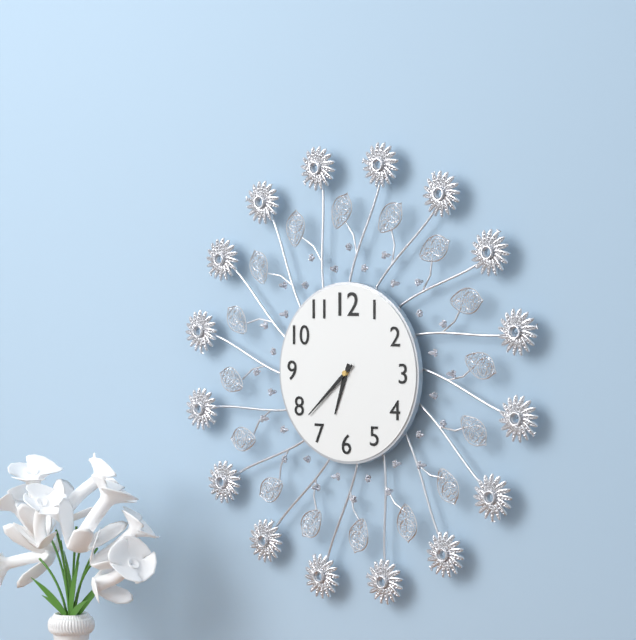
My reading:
h=6 m=38
